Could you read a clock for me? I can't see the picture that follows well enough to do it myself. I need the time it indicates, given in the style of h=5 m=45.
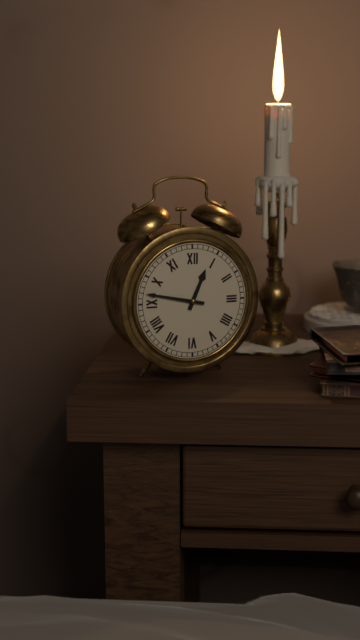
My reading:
h=12 m=47
